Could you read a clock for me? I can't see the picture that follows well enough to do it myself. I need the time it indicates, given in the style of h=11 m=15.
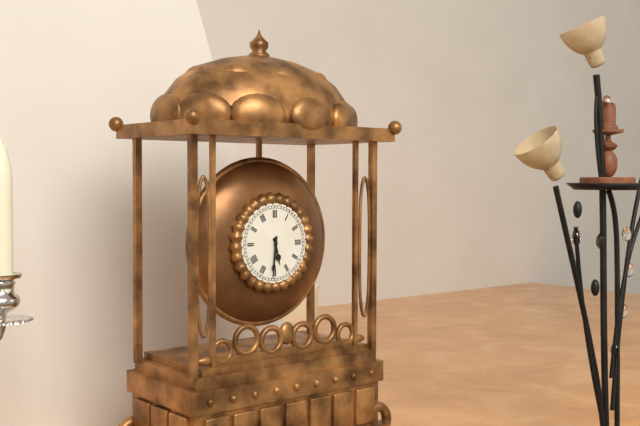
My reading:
h=5 m=31
